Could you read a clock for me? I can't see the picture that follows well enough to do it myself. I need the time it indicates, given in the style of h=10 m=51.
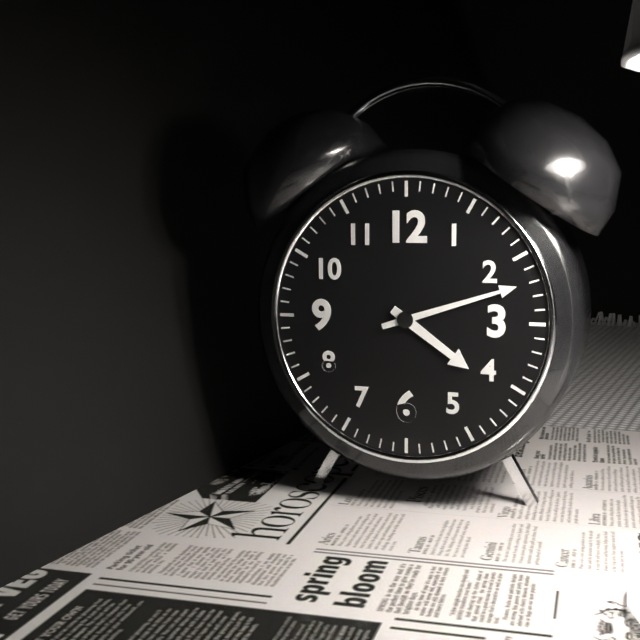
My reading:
h=4 m=12
